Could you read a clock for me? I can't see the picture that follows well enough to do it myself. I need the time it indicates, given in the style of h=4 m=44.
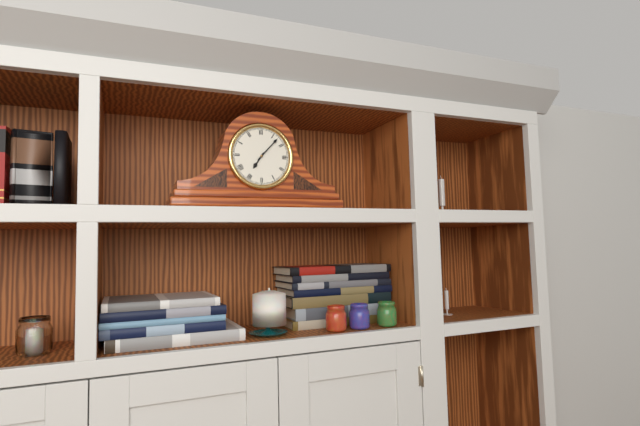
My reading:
h=7 m=7
